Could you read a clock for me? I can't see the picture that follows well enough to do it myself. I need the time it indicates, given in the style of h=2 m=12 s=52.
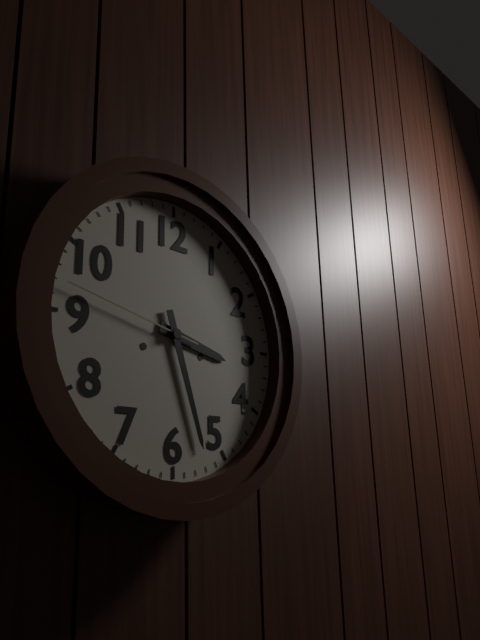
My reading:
h=3 m=27 s=47
